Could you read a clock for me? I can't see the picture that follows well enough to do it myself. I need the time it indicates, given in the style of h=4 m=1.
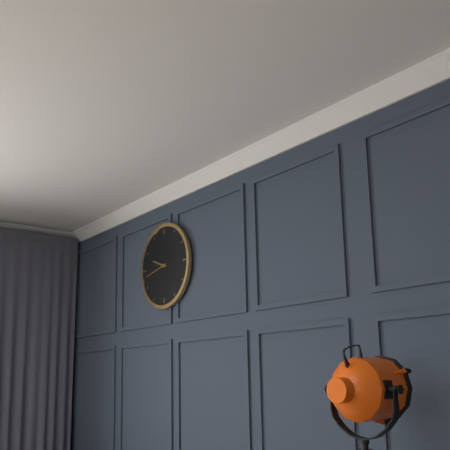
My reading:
h=9 m=43
